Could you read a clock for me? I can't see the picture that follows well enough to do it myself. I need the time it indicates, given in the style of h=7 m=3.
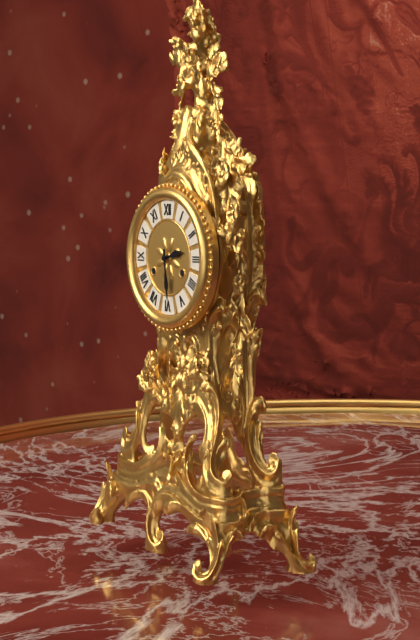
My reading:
h=2 m=29
